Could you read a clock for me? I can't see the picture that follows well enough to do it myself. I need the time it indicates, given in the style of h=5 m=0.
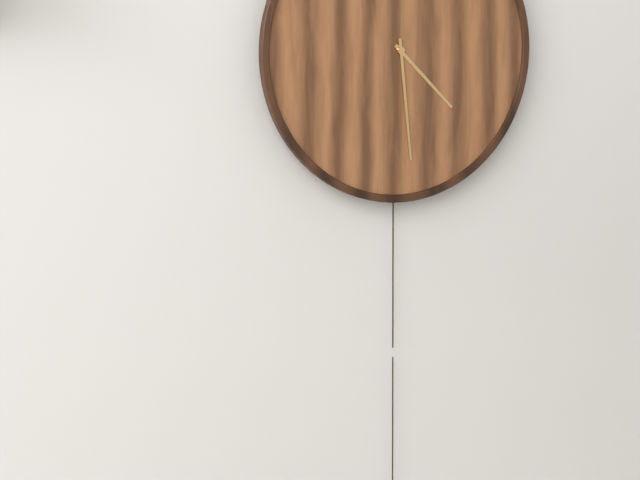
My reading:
h=4 m=29
